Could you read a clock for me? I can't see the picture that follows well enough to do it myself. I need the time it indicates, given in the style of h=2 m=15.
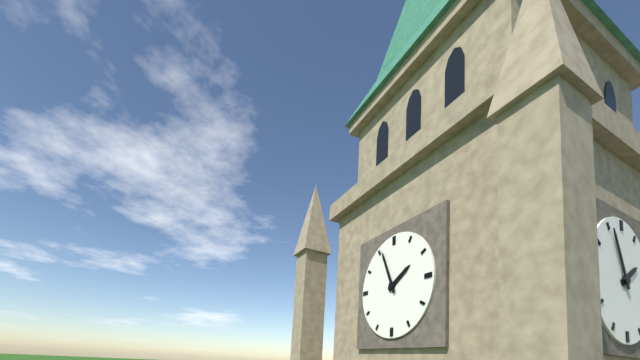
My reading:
h=1 m=56
